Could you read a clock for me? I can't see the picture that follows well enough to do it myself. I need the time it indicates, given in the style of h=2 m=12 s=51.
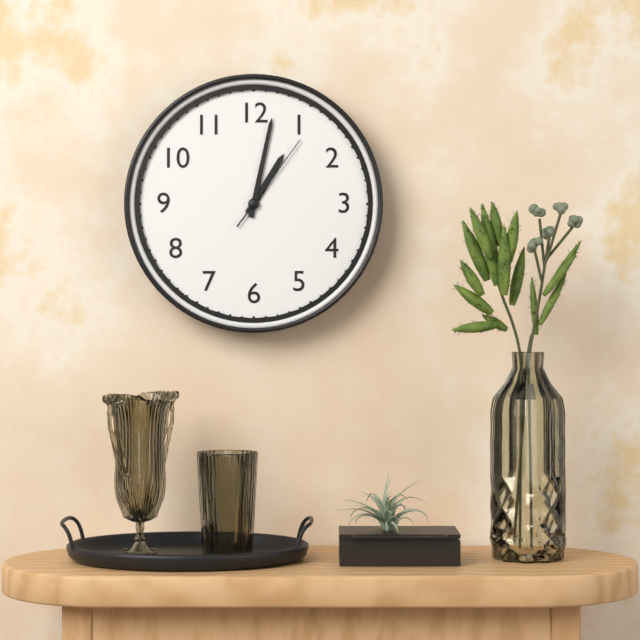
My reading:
h=1 m=2 s=6
